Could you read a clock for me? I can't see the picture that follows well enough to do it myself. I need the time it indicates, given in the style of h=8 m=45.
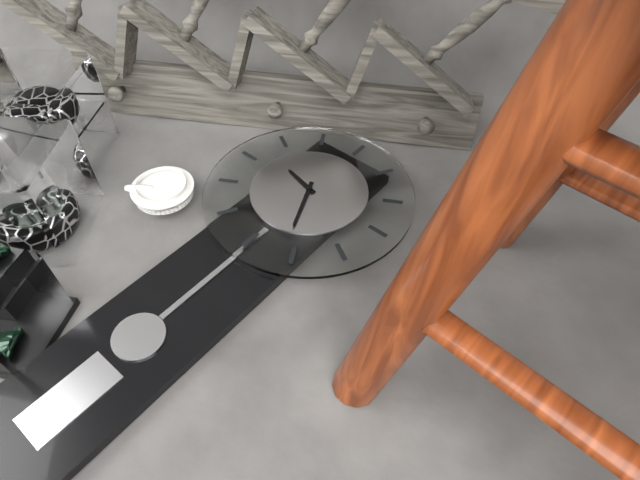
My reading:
h=9 m=26
